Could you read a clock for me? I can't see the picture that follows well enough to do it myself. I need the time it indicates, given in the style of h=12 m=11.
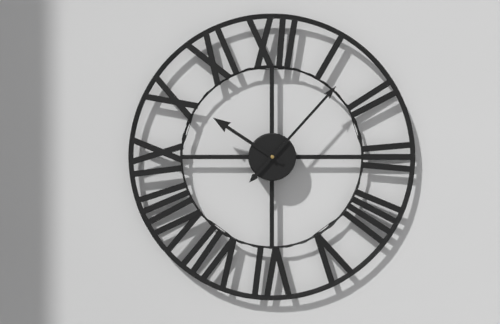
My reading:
h=10 m=7
